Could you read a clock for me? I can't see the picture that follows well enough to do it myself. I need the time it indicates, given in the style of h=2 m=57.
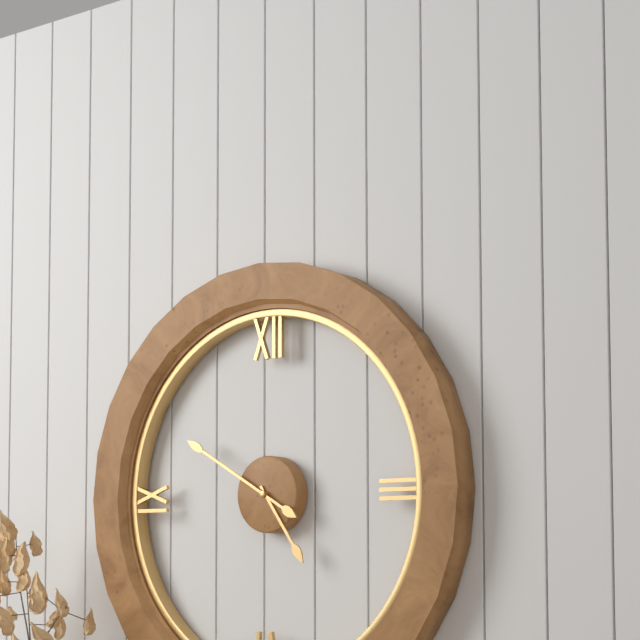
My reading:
h=4 m=50
